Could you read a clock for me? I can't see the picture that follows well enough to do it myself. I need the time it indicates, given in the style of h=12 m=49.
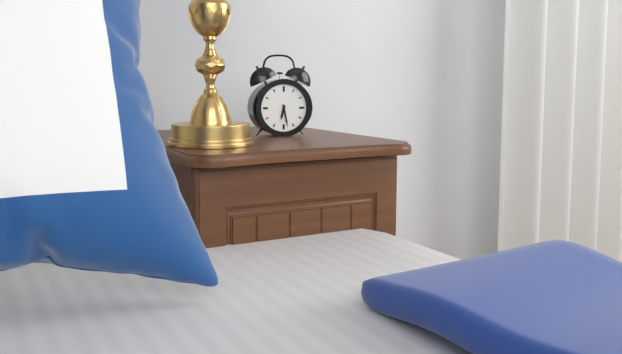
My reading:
h=6 m=28
